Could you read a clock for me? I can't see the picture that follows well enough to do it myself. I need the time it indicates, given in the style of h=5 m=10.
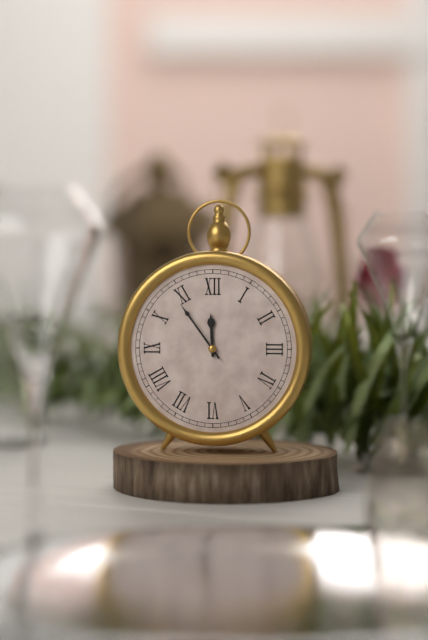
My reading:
h=11 m=54
